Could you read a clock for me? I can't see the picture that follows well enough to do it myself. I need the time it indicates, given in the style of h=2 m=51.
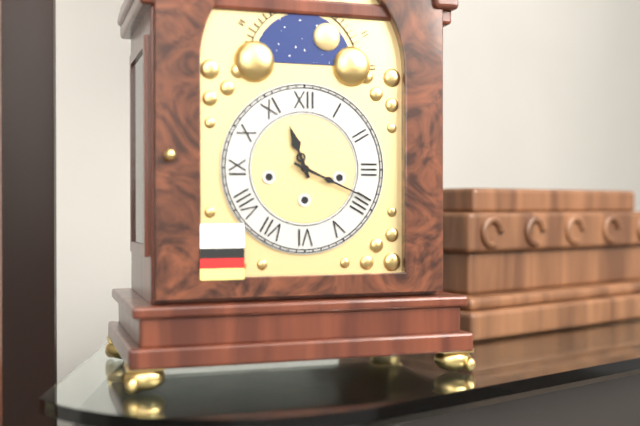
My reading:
h=11 m=19
